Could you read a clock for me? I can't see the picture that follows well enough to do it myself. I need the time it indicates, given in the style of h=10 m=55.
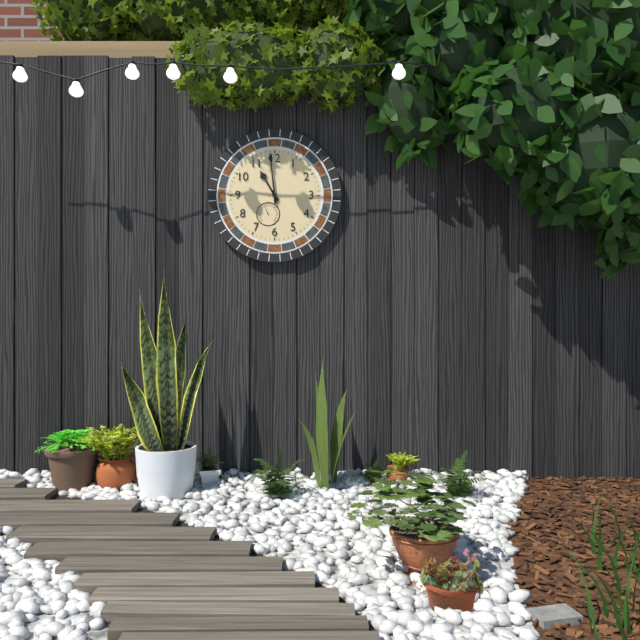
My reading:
h=10 m=59
